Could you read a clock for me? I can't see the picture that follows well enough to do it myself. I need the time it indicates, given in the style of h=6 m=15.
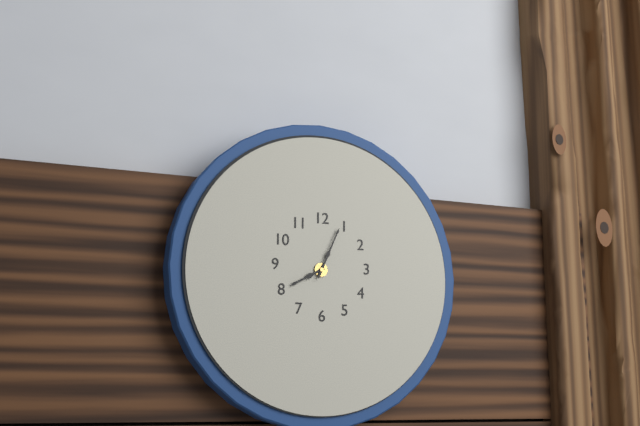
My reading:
h=8 m=4
